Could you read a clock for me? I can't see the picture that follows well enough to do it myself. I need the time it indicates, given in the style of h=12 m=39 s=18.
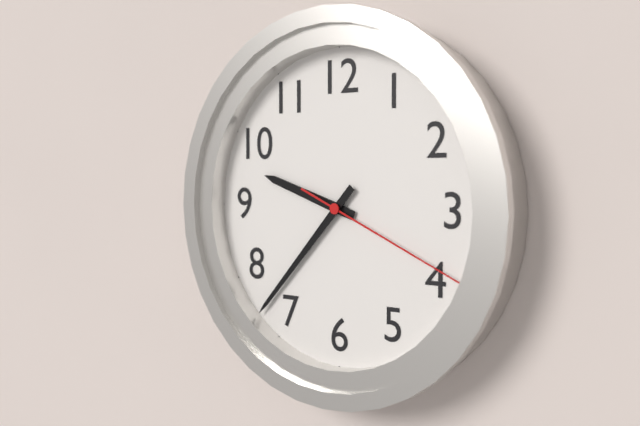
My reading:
h=9 m=37 s=19
